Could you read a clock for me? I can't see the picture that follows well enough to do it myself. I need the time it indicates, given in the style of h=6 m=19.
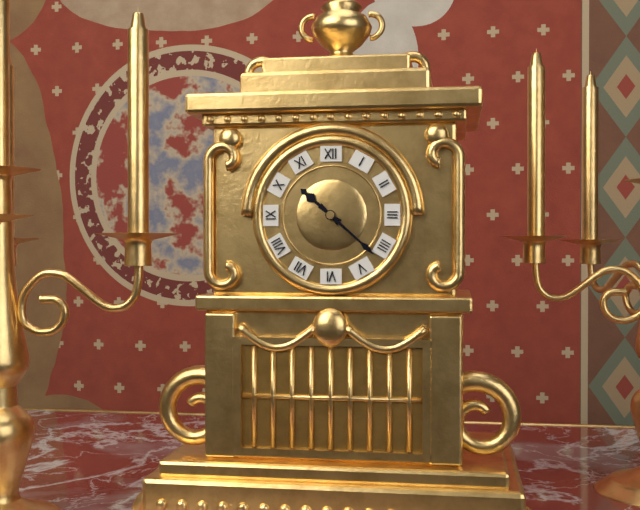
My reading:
h=10 m=22
